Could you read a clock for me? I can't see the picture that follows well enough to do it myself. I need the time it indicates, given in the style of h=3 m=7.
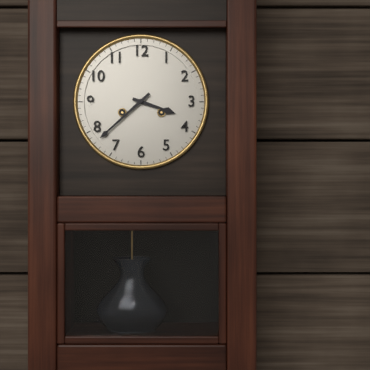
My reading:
h=3 m=38
